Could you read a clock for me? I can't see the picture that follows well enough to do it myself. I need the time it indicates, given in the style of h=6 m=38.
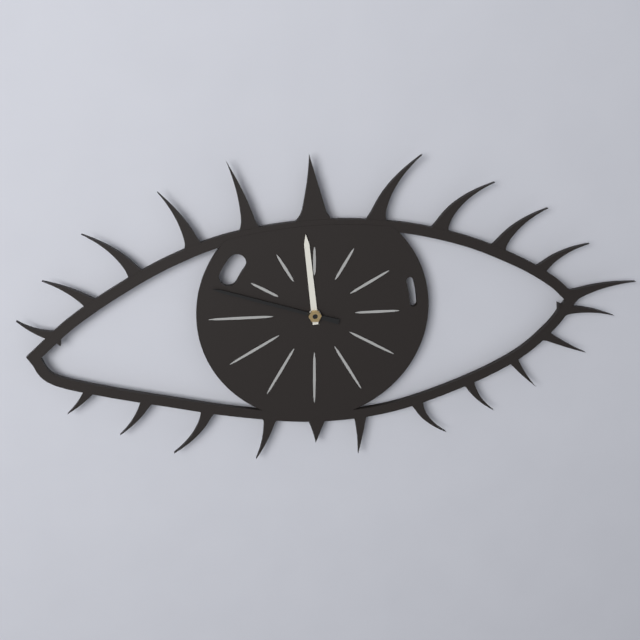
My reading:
h=11 m=48
